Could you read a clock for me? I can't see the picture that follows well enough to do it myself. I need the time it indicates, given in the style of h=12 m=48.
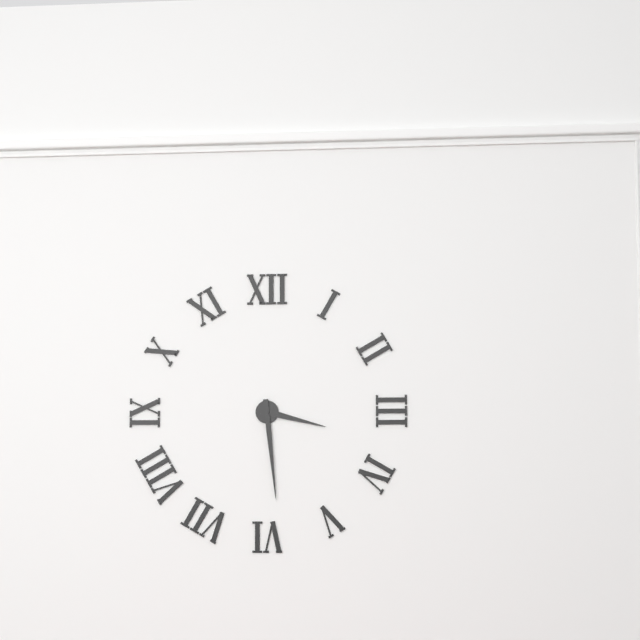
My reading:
h=3 m=29
